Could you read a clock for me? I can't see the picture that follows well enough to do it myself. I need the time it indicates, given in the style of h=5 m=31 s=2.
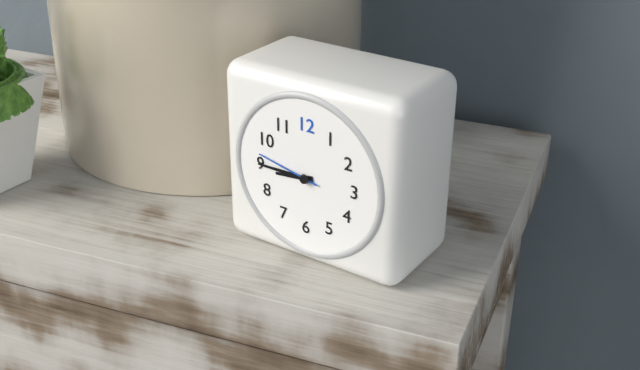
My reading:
h=8 m=45 s=47
